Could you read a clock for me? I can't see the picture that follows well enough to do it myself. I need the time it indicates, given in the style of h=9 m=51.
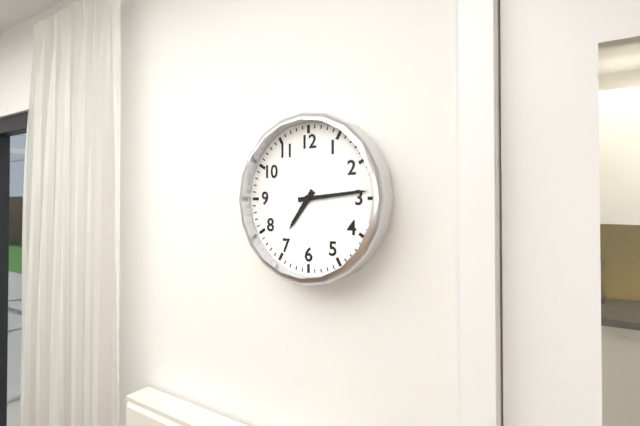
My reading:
h=7 m=14
